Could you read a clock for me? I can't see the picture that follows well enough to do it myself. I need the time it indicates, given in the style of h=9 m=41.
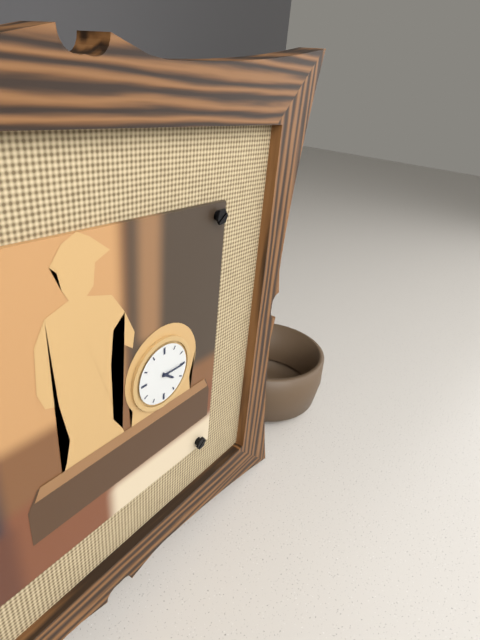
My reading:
h=4 m=15
